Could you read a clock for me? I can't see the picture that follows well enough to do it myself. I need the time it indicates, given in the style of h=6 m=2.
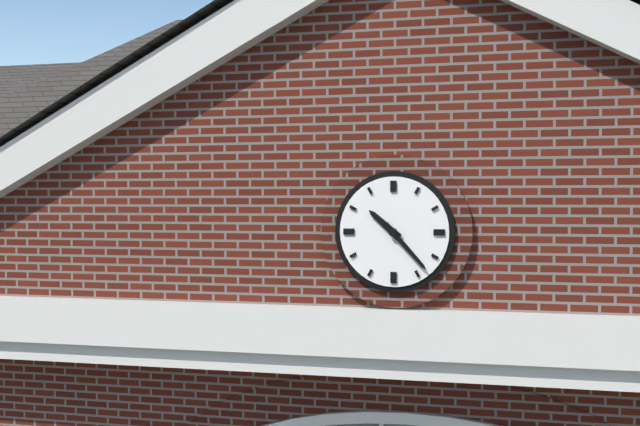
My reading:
h=10 m=23
